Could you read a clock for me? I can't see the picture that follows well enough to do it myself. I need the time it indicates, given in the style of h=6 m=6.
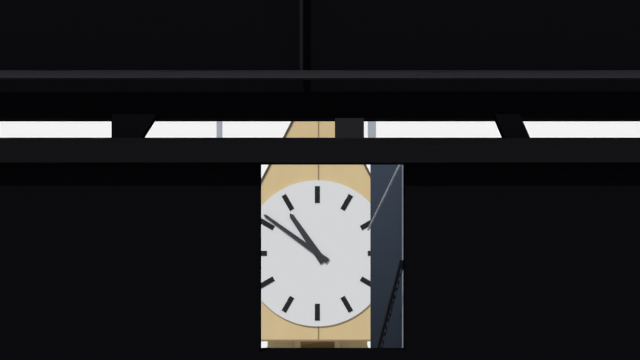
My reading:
h=10 m=51
